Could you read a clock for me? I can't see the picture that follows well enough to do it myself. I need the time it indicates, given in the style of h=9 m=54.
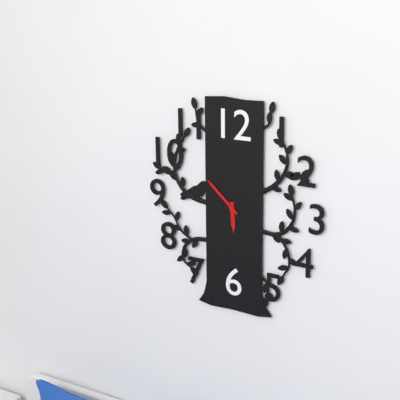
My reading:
h=5 m=52
